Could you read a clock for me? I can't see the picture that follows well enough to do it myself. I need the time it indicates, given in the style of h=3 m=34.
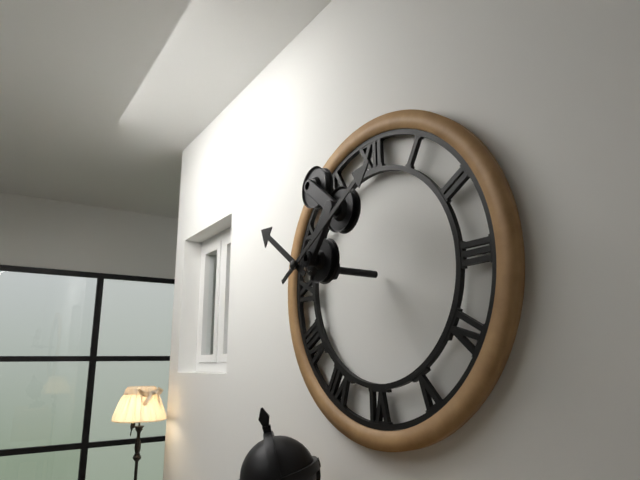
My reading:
h=10 m=10
